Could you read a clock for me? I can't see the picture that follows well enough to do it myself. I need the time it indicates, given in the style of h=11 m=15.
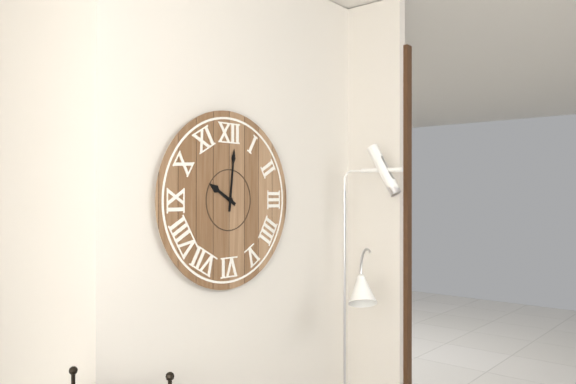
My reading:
h=10 m=1
